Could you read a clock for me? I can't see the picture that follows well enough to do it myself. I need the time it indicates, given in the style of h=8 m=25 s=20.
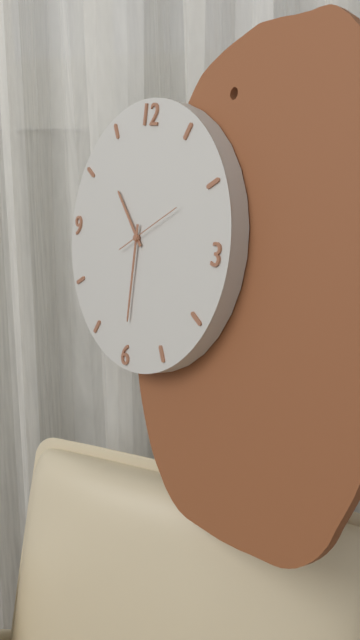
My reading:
h=10 m=30 s=10
